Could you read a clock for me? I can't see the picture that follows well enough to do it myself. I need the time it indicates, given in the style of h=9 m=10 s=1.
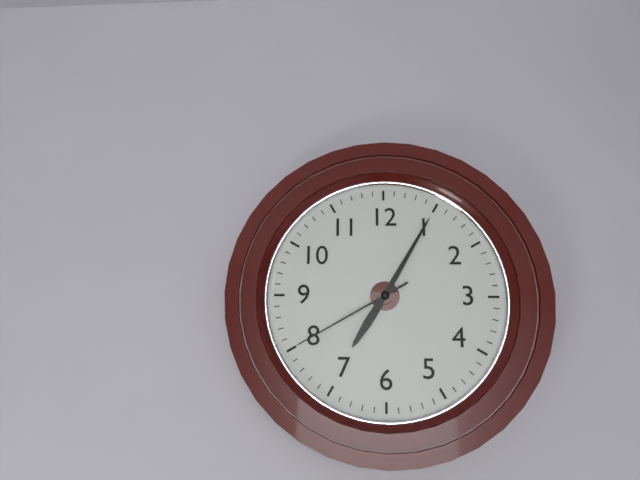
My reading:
h=7 m=5 s=40
